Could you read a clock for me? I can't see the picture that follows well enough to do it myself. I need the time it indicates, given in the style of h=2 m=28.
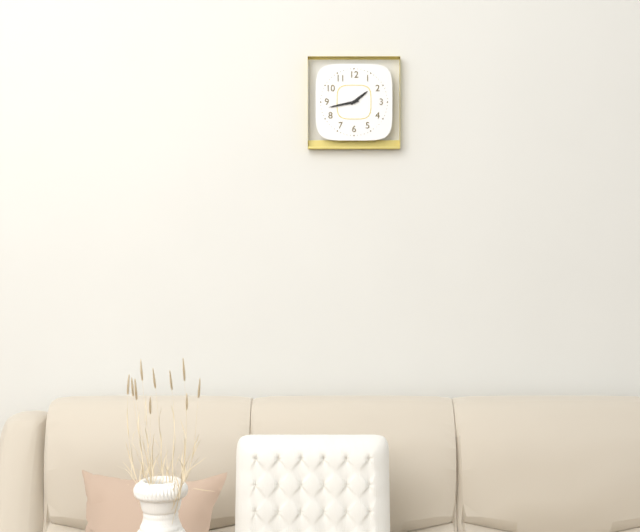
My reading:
h=1 m=43
